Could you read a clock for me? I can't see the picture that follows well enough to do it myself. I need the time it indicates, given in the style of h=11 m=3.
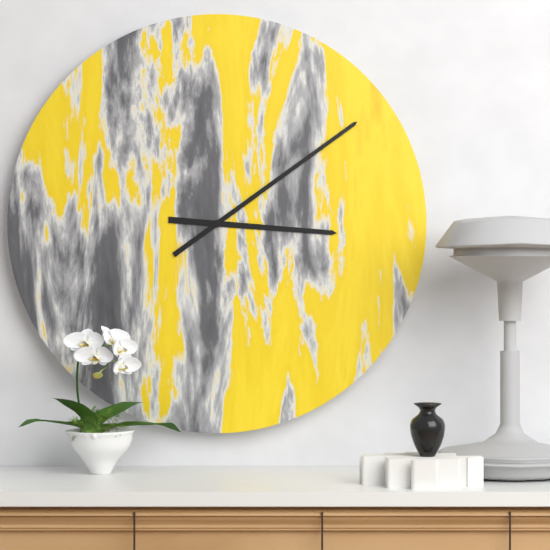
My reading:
h=3 m=9
